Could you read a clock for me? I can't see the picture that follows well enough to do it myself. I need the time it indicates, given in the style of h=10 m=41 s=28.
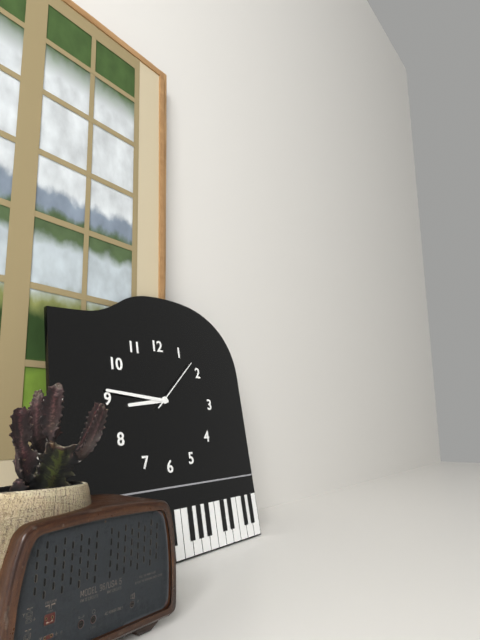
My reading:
h=8 m=46 s=8
